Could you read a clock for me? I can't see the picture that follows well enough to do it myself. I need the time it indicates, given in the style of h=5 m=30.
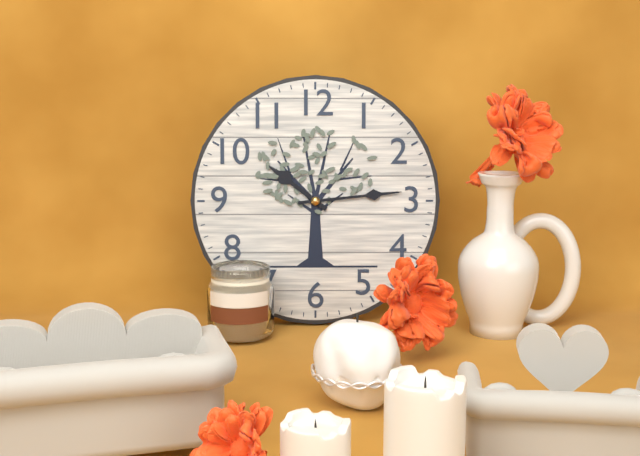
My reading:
h=10 m=14
